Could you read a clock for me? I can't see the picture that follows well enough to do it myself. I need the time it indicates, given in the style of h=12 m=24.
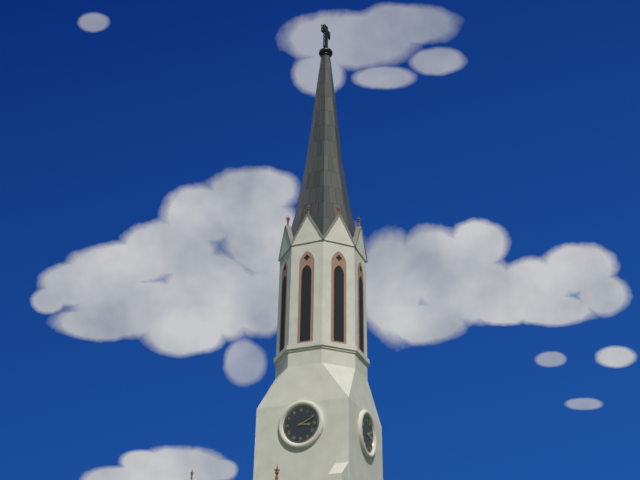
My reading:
h=3 m=11
